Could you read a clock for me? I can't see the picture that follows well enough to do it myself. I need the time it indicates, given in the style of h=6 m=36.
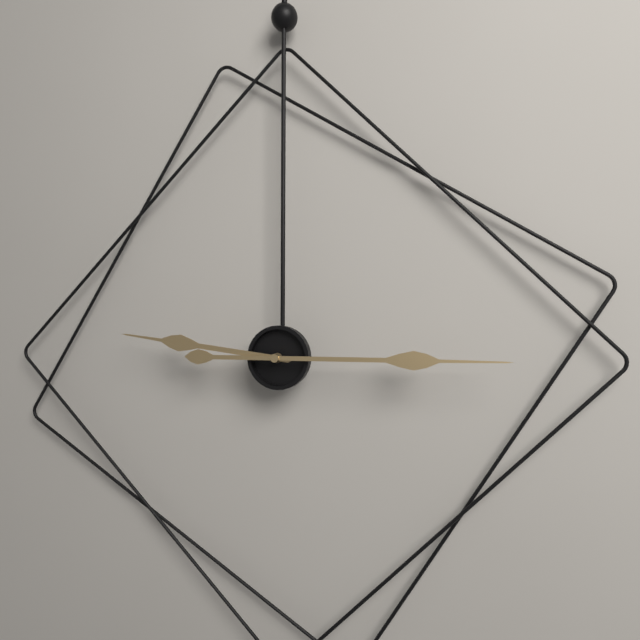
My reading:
h=9 m=15
